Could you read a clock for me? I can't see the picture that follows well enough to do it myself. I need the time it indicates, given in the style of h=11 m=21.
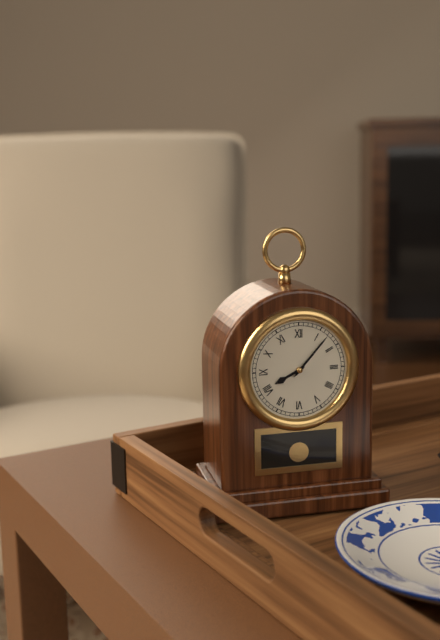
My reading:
h=8 m=7
